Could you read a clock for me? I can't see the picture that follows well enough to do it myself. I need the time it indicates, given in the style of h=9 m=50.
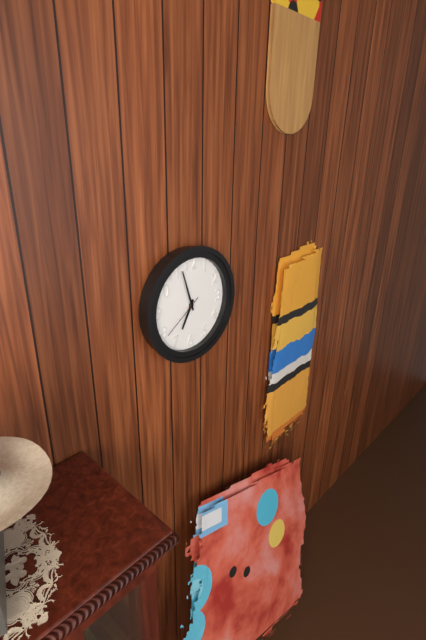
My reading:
h=6 m=57
